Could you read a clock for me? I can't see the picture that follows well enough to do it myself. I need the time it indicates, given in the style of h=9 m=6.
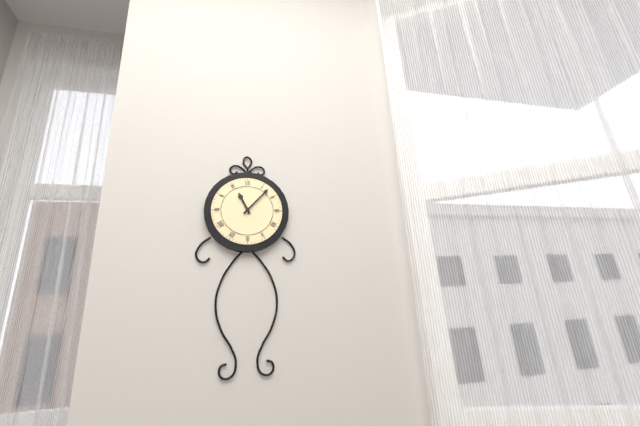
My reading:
h=11 m=7
